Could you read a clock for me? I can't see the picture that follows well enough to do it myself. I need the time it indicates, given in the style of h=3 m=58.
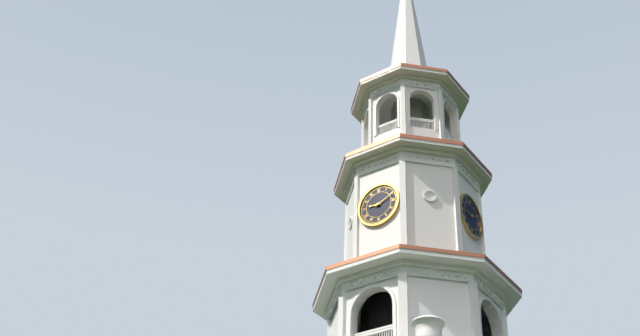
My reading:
h=9 m=11
